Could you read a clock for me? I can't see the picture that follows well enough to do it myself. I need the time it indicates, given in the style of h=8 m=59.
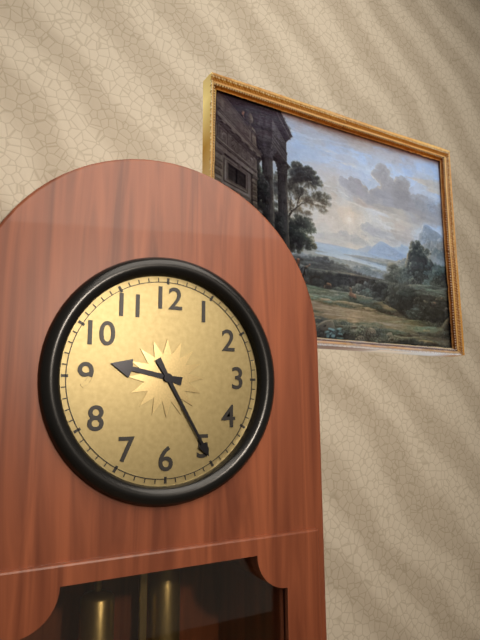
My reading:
h=9 m=25
